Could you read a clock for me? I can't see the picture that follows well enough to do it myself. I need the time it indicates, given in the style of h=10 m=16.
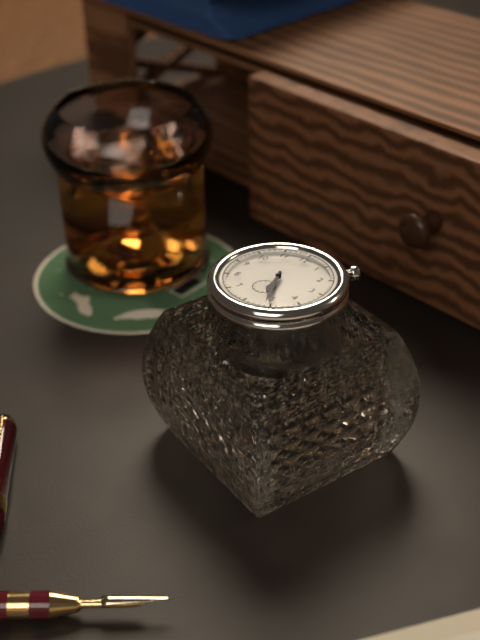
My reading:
h=5 m=26
